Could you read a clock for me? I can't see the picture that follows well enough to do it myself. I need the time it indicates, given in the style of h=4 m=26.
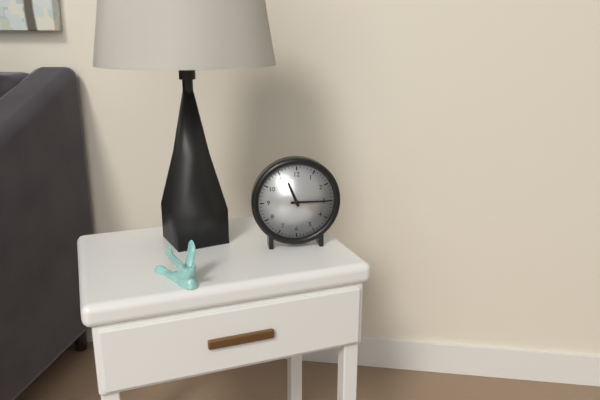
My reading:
h=11 m=15
